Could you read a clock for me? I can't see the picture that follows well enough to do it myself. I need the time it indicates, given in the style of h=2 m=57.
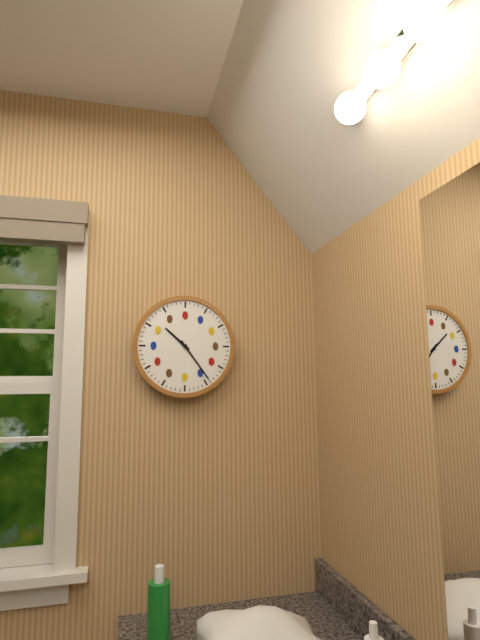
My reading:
h=10 m=24
